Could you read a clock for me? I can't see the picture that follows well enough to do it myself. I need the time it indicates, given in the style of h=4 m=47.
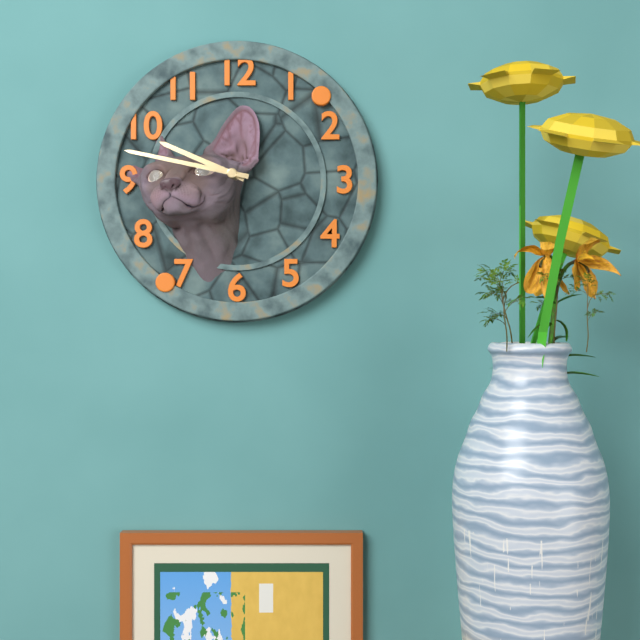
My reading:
h=9 m=47
